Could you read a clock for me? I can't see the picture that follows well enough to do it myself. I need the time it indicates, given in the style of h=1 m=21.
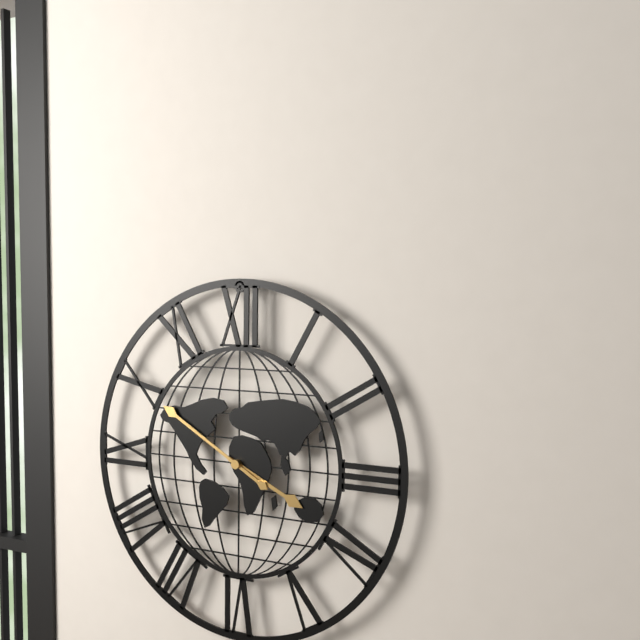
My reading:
h=3 m=50
